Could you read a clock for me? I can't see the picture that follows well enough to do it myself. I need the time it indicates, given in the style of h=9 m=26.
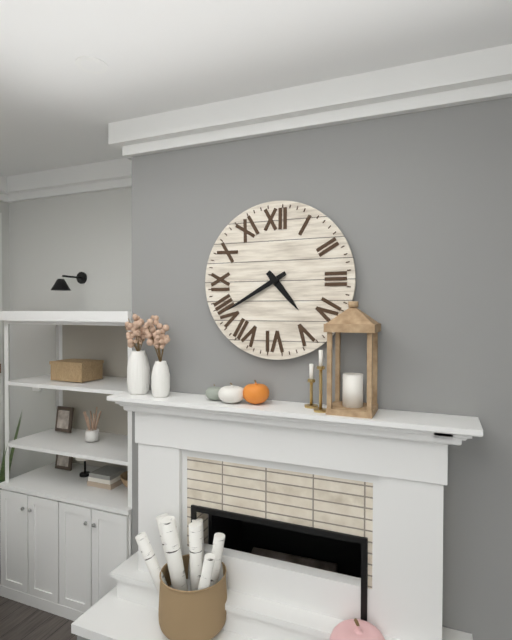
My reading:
h=4 m=40
